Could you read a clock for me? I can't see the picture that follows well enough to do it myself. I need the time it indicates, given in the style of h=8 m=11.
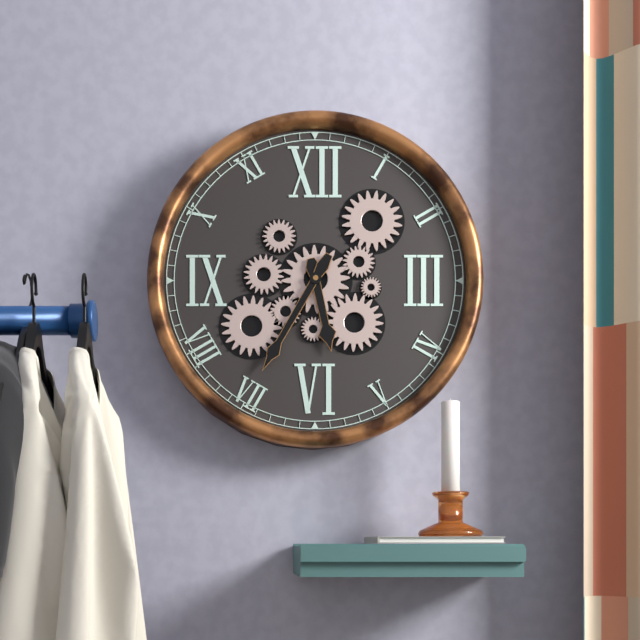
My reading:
h=5 m=35
